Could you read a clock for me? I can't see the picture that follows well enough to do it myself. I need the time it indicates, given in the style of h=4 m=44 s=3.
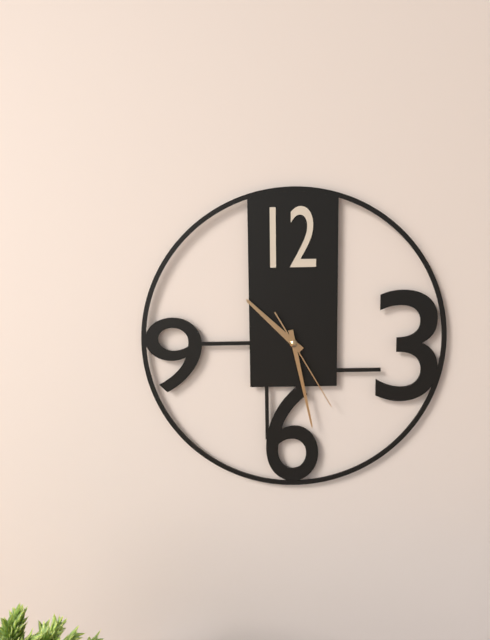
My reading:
h=10 m=28 s=25
